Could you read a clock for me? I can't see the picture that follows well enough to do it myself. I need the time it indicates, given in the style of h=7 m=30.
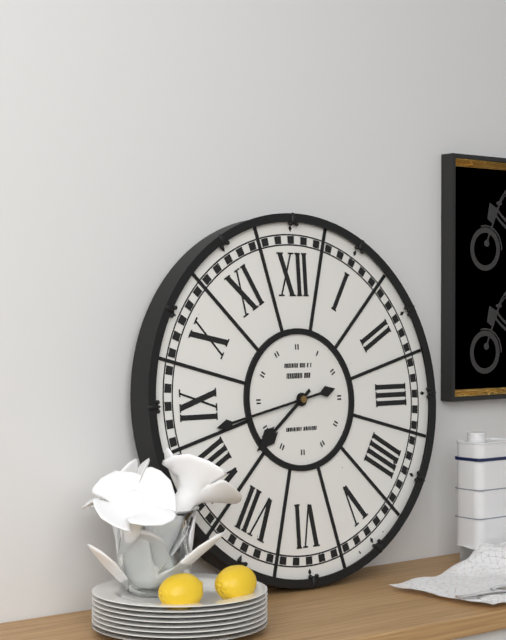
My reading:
h=7 m=43
